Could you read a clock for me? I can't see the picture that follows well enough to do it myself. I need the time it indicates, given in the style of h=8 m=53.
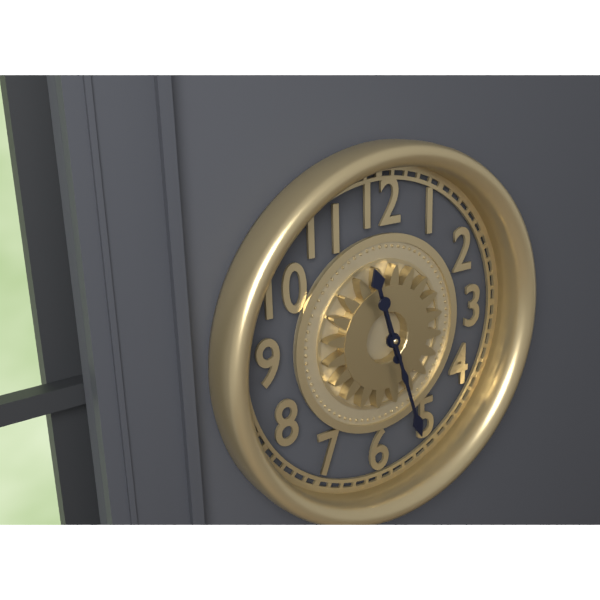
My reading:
h=11 m=27
